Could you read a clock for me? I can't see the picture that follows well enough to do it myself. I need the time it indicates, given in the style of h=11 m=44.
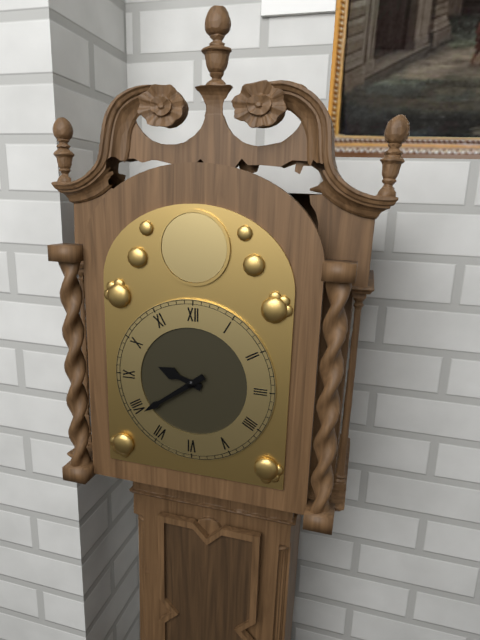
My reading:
h=9 m=39
